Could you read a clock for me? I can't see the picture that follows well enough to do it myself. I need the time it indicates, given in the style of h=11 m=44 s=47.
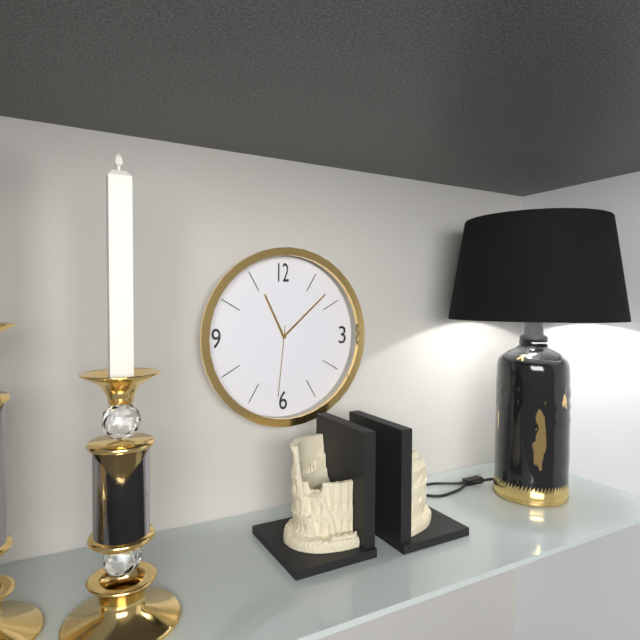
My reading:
h=11 m=8 s=31
